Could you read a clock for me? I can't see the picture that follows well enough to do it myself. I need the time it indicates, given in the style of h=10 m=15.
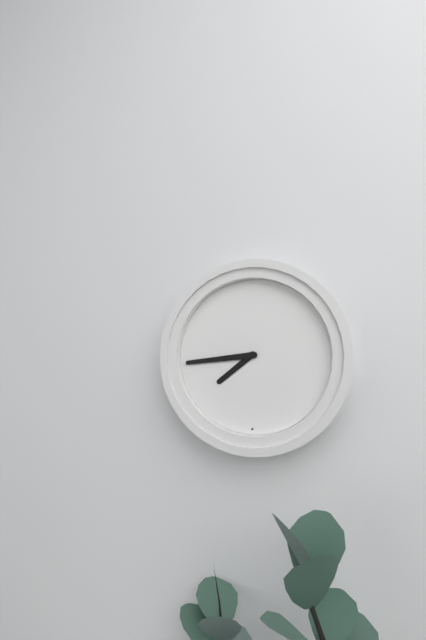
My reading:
h=7 m=44
